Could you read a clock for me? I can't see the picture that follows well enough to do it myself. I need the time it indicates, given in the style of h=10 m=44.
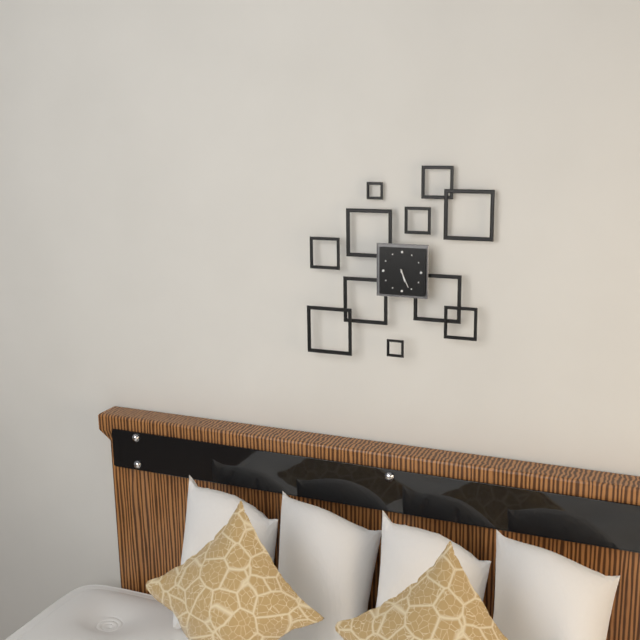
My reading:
h=5 m=26
